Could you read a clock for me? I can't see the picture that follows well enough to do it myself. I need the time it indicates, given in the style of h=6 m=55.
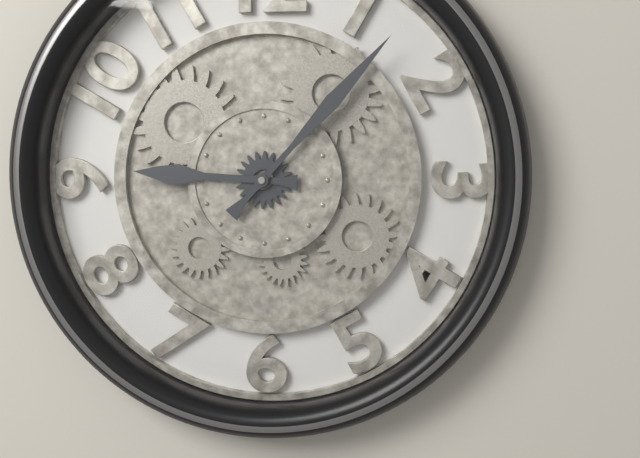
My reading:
h=9 m=7
